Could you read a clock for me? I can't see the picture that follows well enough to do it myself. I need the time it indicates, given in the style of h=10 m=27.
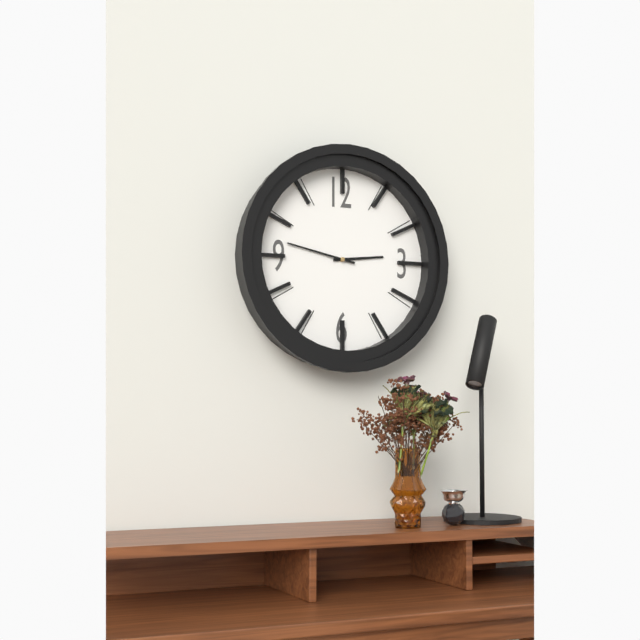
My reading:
h=2 m=47
